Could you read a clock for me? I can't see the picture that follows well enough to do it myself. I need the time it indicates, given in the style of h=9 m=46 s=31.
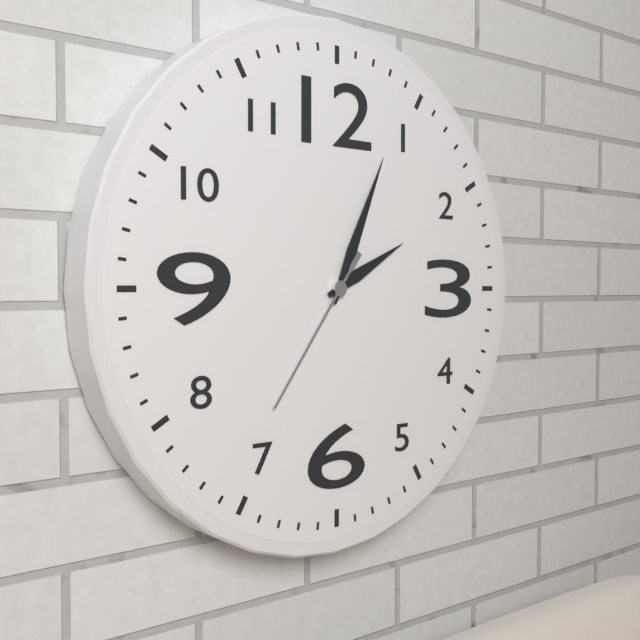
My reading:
h=2 m=4 s=36
